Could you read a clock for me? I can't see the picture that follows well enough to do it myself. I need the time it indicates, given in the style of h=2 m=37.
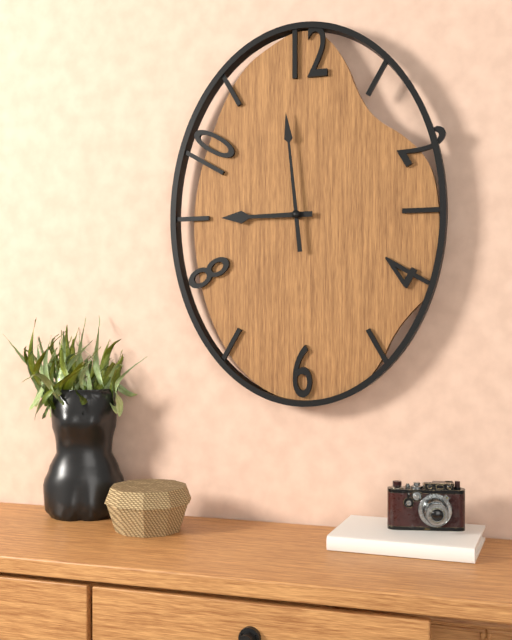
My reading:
h=8 m=59
